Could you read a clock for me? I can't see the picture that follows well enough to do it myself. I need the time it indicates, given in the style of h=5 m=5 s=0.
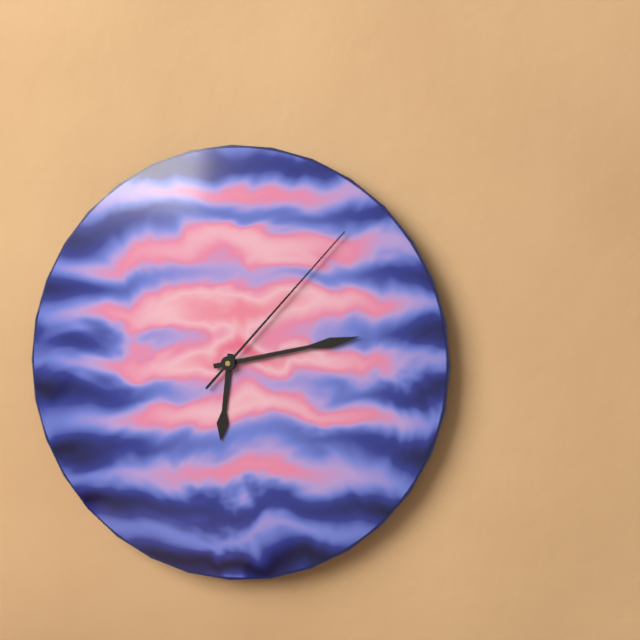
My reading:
h=6 m=13 s=7
